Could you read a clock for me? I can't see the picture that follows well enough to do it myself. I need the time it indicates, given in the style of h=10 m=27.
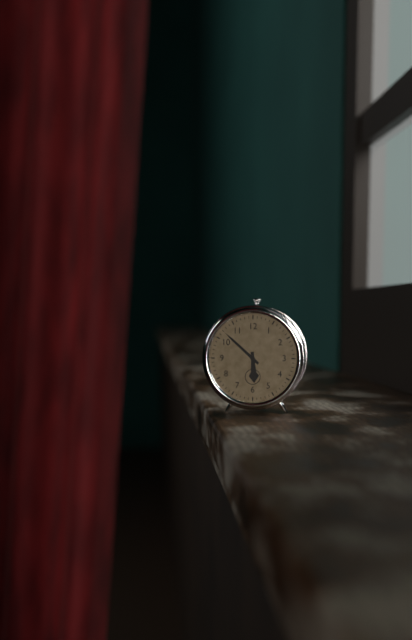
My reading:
h=5 m=52
